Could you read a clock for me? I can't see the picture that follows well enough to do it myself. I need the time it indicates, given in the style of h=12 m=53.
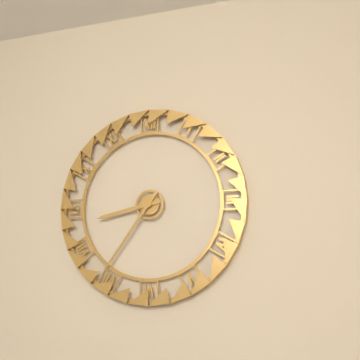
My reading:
h=8 m=36
